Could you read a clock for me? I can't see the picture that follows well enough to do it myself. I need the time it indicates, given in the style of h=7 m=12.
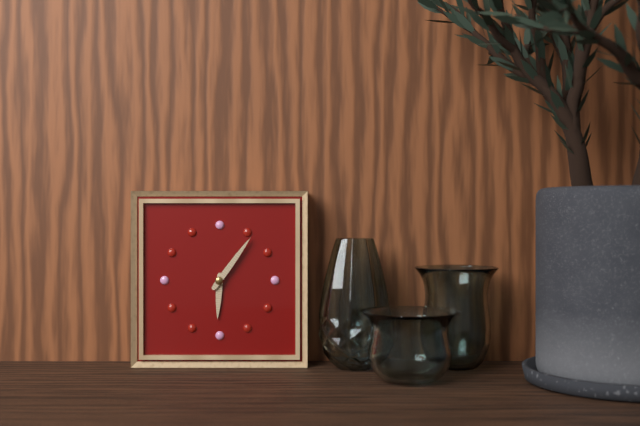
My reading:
h=6 m=6
